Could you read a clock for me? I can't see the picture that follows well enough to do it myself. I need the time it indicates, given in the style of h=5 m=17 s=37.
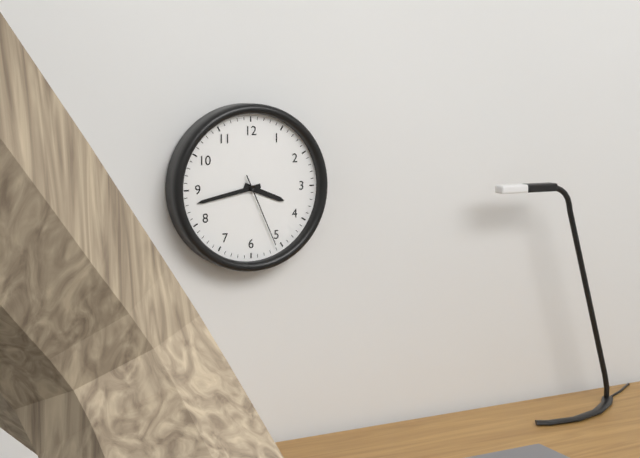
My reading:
h=3 m=43 s=26
